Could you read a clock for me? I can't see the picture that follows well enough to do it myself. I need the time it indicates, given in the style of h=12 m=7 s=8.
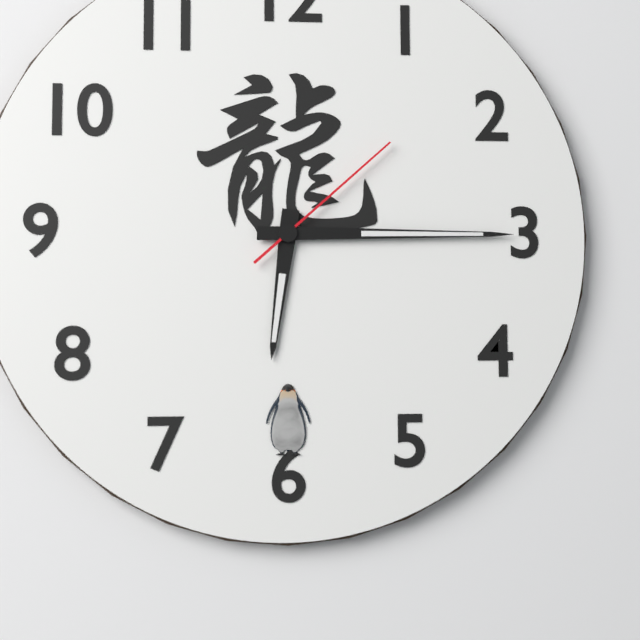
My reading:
h=6 m=15 s=8
